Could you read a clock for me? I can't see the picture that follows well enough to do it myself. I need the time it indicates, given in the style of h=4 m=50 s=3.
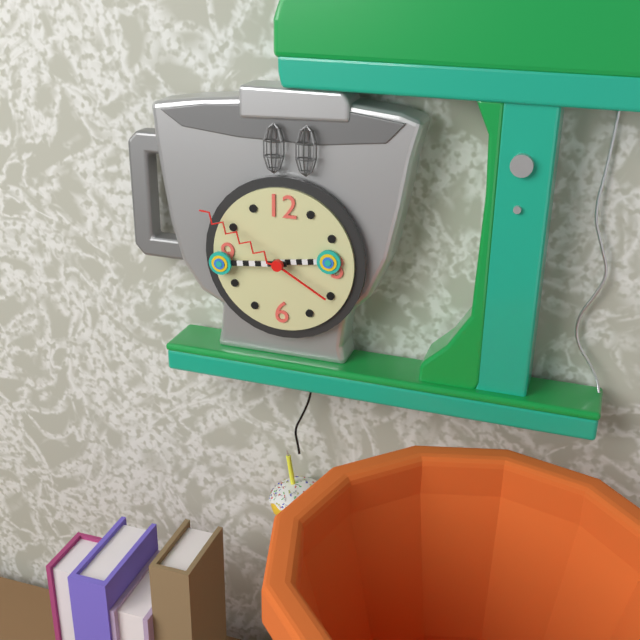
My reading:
h=2 m=44 s=50
